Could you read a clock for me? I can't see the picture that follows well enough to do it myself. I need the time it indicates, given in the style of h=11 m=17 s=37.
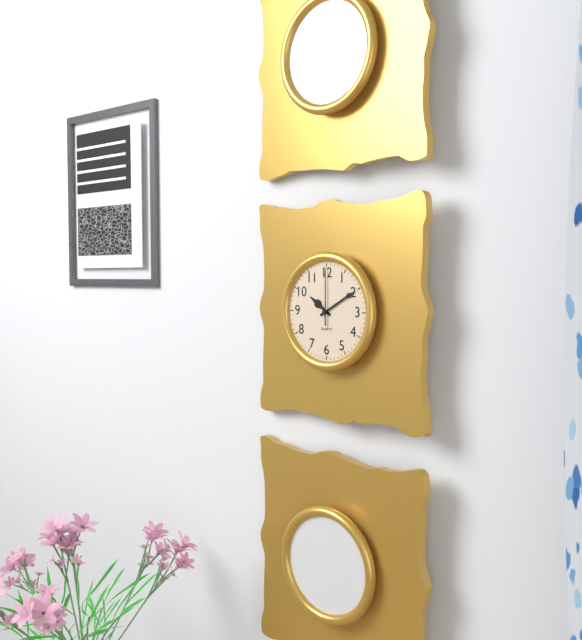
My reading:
h=10 m=10 s=0
